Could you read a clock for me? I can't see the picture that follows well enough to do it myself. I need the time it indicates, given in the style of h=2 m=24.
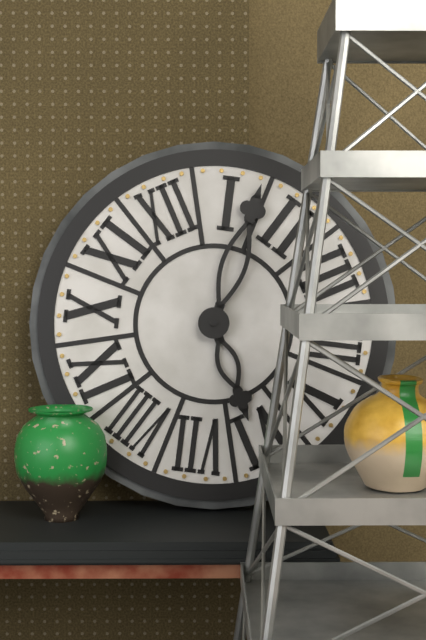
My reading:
h=6 m=7
